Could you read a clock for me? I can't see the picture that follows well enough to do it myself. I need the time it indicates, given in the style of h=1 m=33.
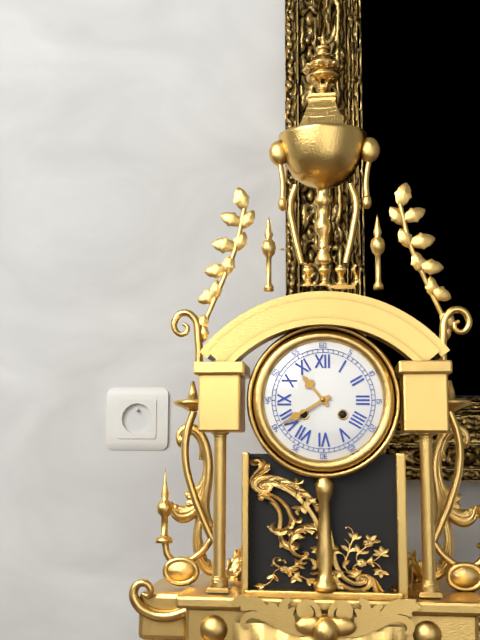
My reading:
h=10 m=40
